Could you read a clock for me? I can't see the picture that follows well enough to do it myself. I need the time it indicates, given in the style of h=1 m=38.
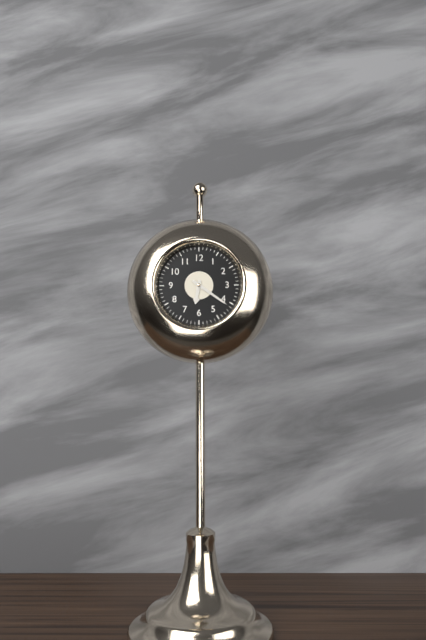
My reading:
h=6 m=21
